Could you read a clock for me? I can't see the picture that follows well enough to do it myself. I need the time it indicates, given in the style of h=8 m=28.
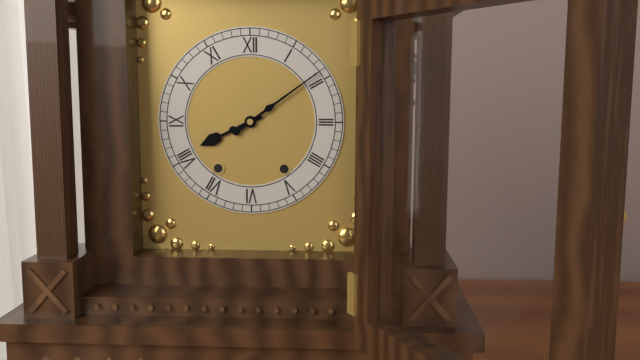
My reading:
h=8 m=9
